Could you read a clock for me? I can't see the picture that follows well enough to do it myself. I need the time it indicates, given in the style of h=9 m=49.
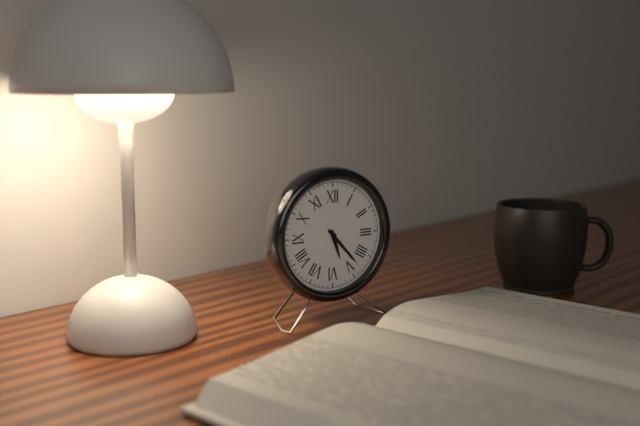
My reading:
h=5 m=23
